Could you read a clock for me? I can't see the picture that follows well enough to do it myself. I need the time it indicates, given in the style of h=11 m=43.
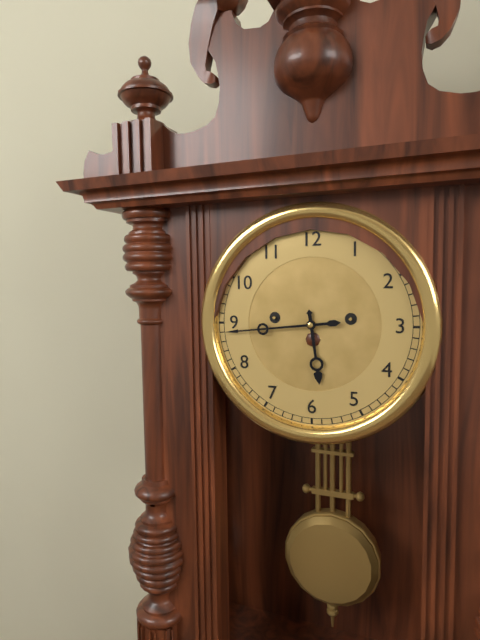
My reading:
h=5 m=44
